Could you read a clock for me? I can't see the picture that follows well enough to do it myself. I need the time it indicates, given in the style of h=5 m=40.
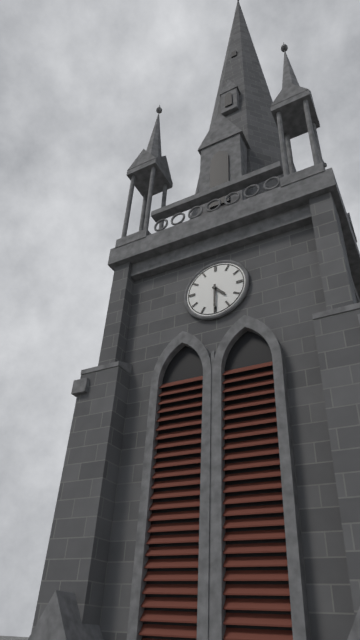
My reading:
h=4 m=30
